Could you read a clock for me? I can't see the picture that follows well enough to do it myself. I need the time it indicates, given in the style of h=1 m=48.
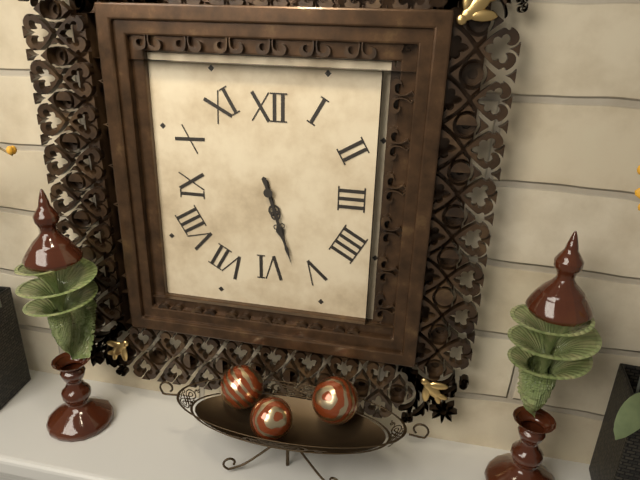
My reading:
h=5 m=27
